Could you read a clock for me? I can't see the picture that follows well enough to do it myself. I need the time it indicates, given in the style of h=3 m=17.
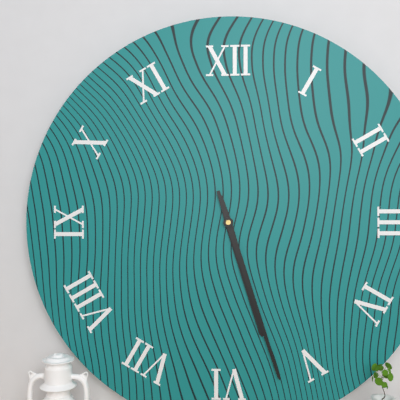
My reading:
h=5 m=27
